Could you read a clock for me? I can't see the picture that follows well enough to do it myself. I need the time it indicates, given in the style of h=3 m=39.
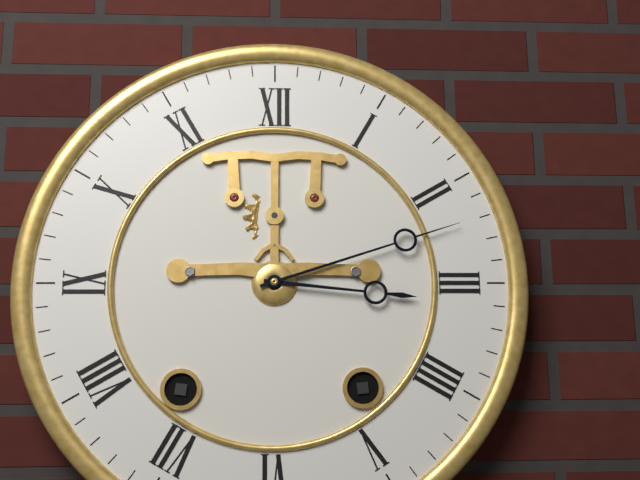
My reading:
h=3 m=12
